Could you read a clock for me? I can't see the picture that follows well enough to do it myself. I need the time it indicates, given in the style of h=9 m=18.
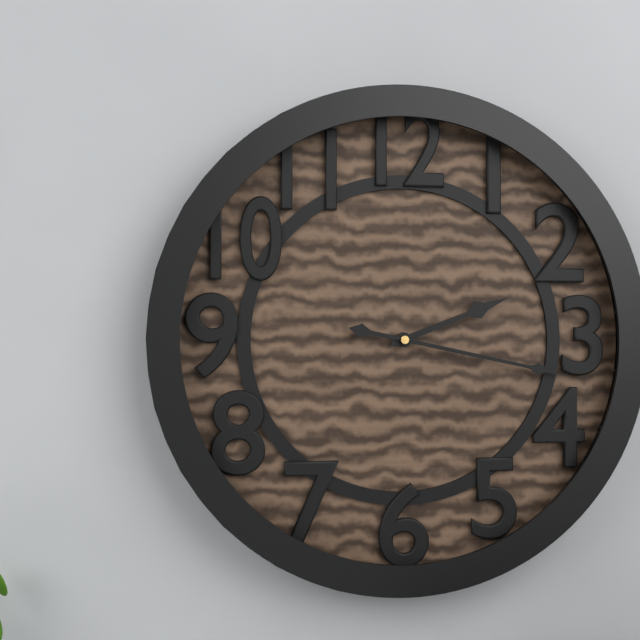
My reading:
h=2 m=17
